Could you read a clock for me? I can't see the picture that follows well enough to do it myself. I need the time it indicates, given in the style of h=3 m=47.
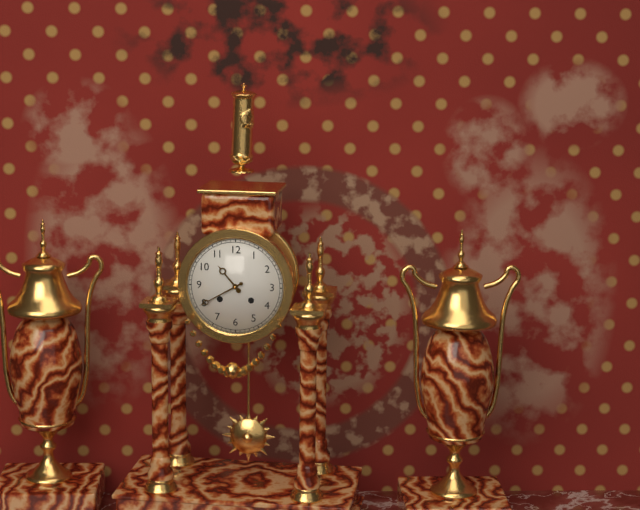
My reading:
h=10 m=40
